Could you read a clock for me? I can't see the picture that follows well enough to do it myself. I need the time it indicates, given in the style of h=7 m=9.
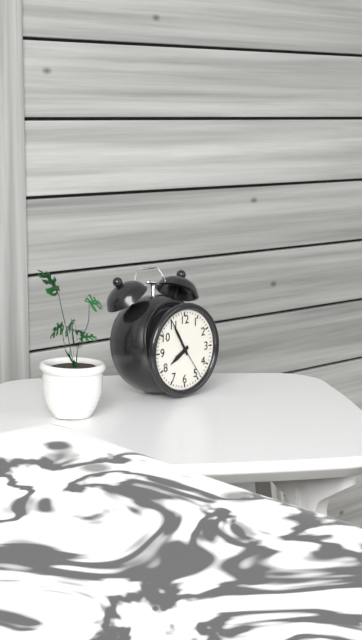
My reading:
h=7 m=55
